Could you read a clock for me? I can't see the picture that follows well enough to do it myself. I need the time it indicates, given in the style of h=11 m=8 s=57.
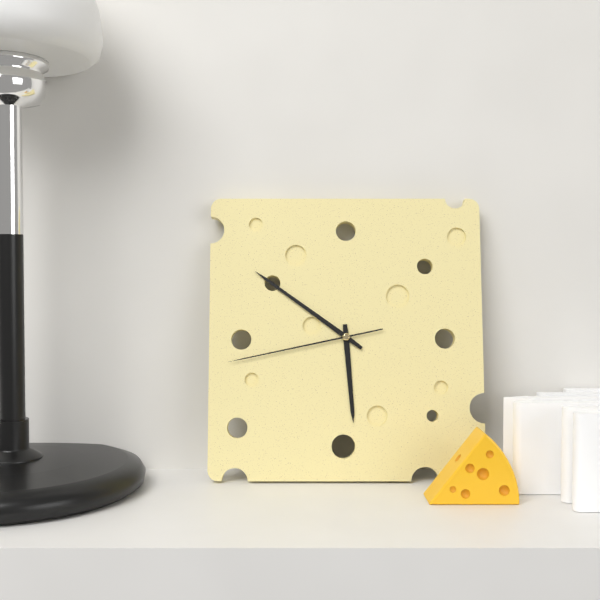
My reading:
h=5 m=51 s=43
